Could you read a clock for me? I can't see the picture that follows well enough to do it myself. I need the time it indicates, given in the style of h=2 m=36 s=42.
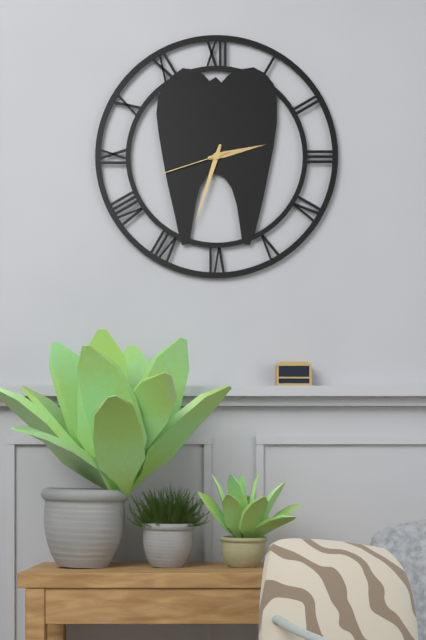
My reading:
h=2 m=33 s=42
